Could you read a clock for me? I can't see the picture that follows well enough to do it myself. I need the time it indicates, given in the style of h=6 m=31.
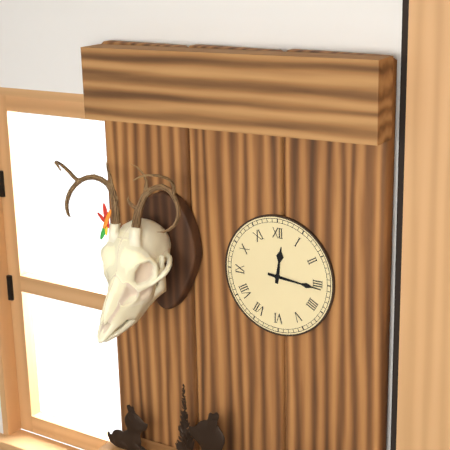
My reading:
h=12 m=16
